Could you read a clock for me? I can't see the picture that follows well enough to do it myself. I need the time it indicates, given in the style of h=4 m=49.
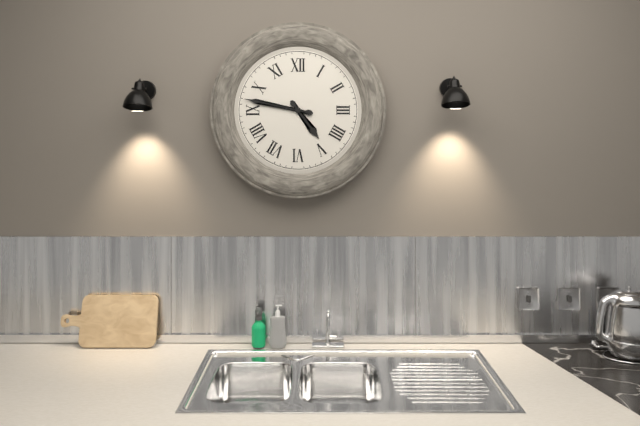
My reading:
h=4 m=47
